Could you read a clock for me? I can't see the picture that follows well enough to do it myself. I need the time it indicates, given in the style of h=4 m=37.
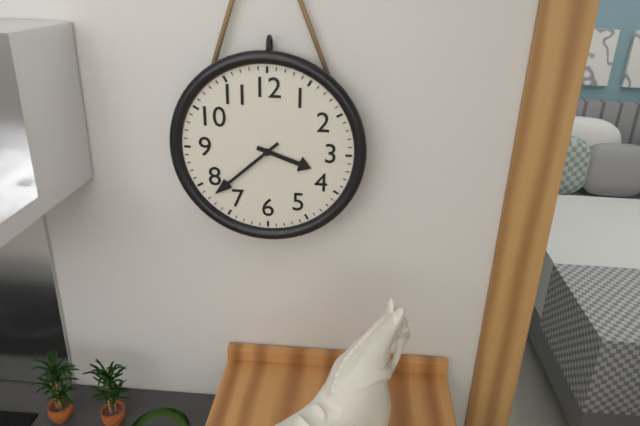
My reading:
h=3 m=38
